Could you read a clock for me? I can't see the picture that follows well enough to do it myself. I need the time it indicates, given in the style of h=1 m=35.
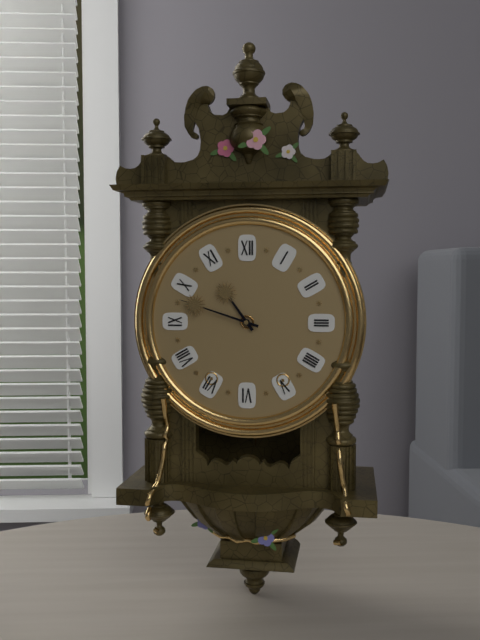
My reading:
h=10 m=48
